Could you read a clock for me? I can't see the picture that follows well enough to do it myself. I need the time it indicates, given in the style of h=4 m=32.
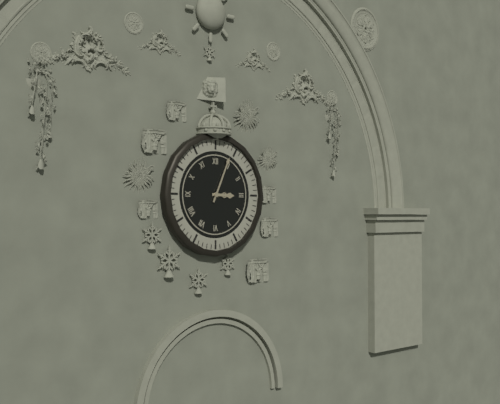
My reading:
h=3 m=4
